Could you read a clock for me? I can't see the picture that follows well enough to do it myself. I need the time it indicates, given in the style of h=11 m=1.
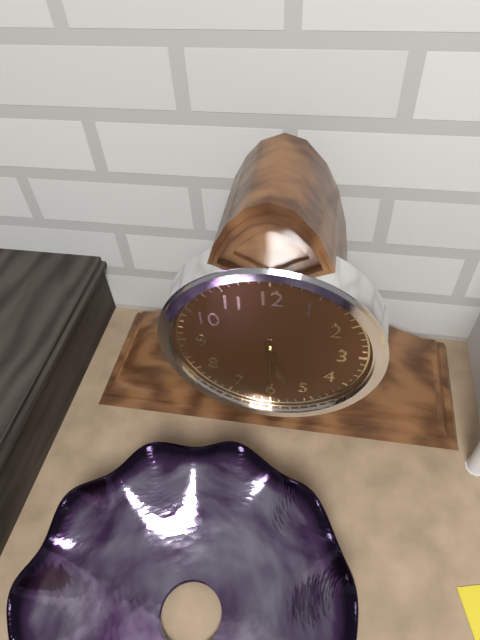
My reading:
h=5 m=30
